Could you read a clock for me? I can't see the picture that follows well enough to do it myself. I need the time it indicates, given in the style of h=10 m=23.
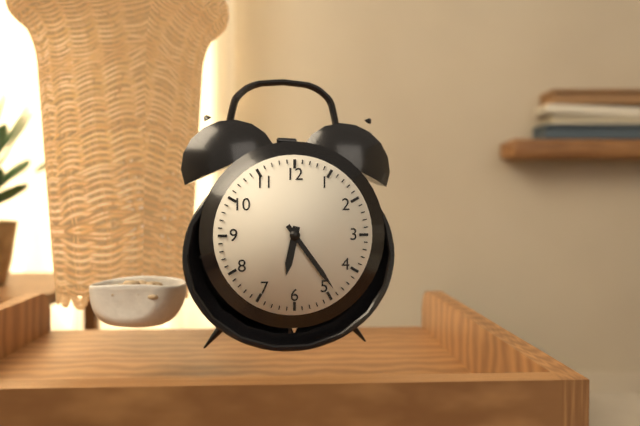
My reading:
h=6 m=24
